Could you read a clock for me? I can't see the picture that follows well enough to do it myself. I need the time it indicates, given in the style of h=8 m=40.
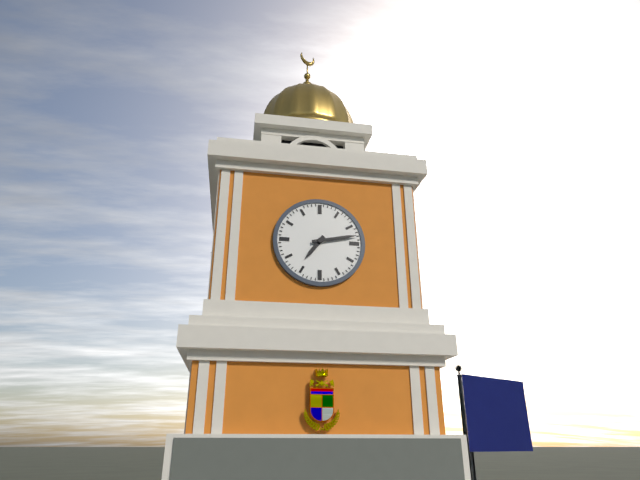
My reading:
h=7 m=13
